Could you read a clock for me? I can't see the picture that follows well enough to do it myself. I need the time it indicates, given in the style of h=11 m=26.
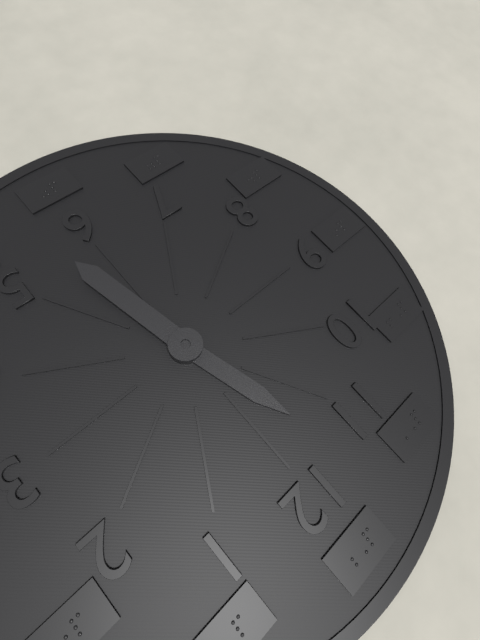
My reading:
h=11 m=28
